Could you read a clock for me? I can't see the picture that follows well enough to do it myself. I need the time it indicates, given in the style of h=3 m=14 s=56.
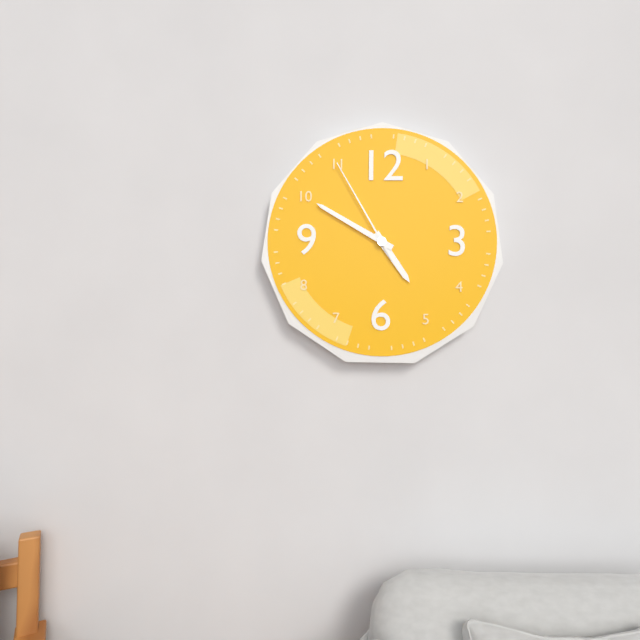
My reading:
h=4 m=50 s=55
